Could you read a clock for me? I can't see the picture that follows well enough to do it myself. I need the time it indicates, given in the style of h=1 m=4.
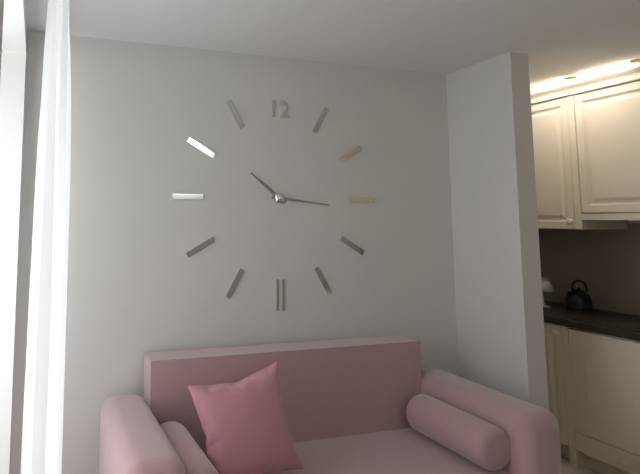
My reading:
h=10 m=16
